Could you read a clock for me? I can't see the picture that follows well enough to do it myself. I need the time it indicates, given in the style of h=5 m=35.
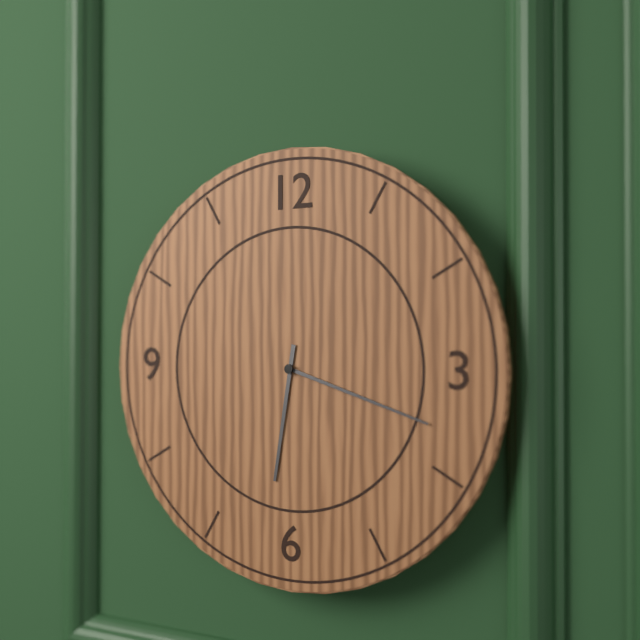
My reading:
h=6 m=18
